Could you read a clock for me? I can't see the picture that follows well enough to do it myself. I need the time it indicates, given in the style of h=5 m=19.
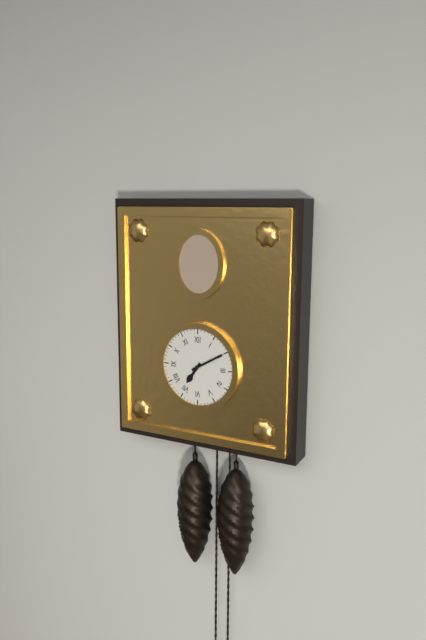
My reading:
h=7 m=10
